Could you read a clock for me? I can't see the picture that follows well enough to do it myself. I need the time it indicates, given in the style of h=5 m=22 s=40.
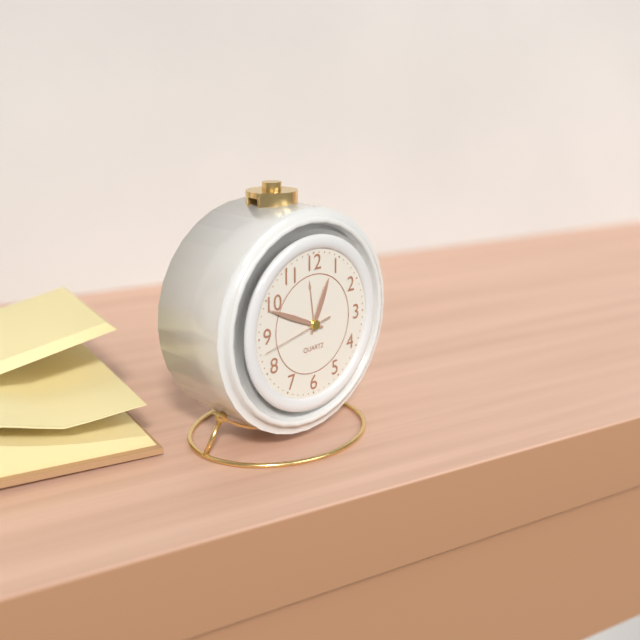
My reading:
h=12 m=49 s=43
